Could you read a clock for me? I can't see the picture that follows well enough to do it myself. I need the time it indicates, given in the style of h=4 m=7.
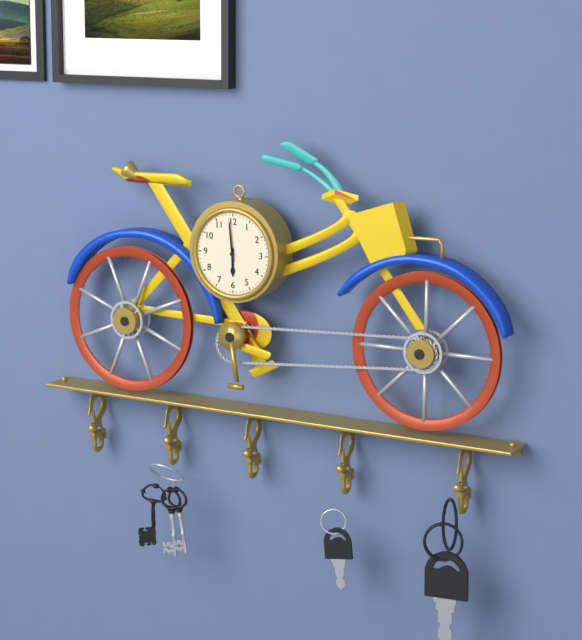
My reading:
h=5 m=59
